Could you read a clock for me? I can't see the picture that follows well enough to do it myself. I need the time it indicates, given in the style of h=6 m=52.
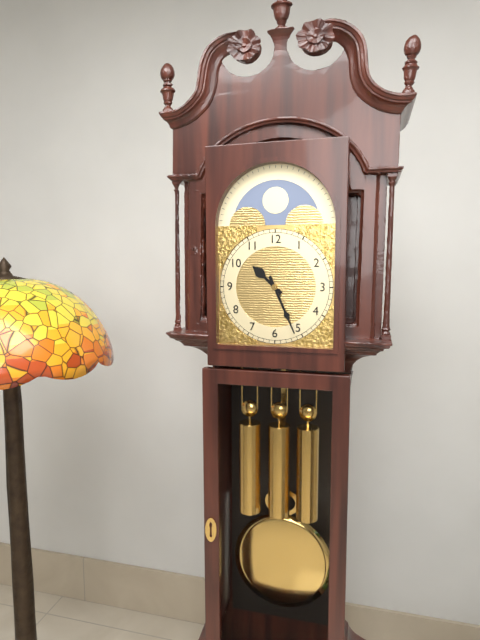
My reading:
h=10 m=26
